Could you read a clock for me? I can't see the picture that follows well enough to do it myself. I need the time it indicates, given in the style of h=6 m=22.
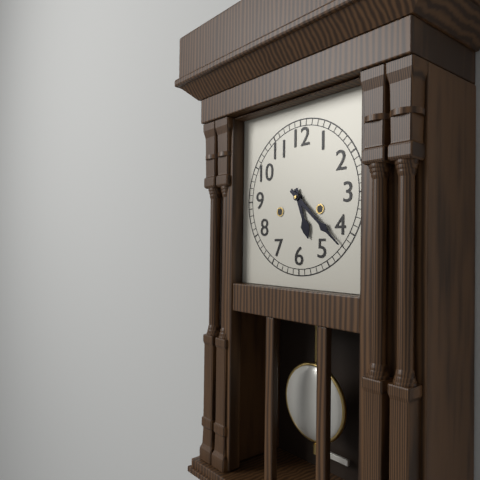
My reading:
h=5 m=22
